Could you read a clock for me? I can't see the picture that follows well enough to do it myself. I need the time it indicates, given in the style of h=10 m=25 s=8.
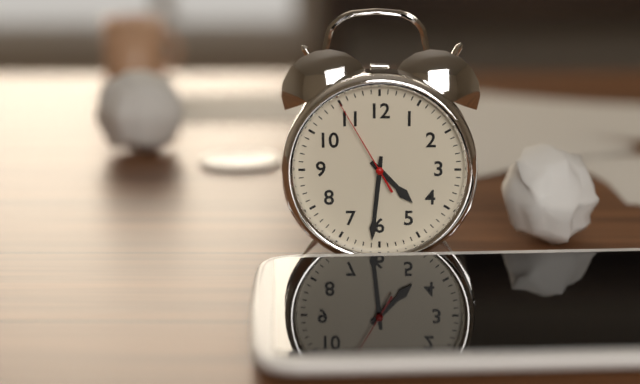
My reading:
h=4 m=31 s=55
